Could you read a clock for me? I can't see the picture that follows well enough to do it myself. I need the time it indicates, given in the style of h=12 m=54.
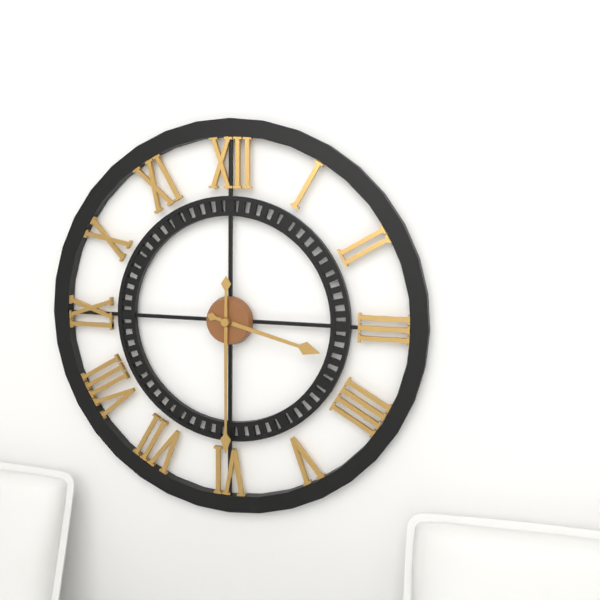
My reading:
h=3 m=30
